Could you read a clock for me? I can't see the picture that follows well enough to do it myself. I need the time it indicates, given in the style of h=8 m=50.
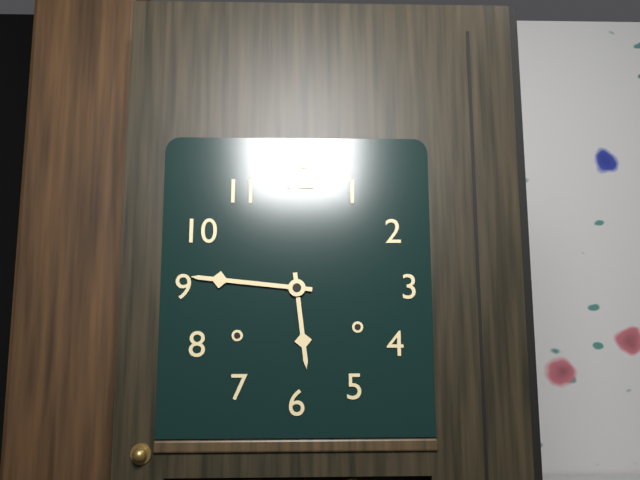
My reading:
h=5 m=46
